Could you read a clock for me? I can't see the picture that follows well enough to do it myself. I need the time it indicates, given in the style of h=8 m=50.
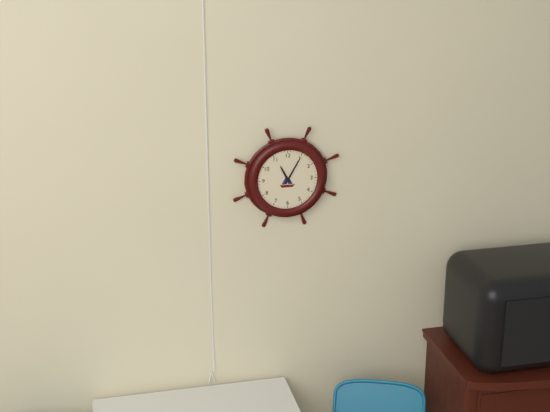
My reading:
h=11 m=5
